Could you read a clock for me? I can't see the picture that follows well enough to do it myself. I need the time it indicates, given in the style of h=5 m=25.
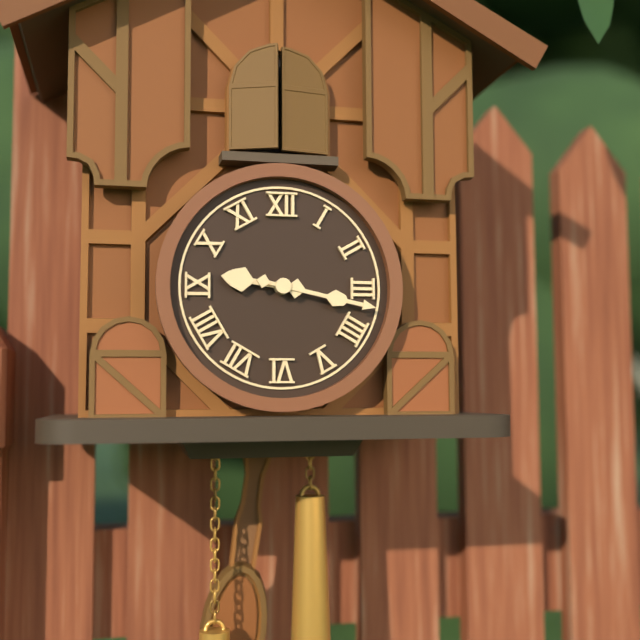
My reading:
h=9 m=17
